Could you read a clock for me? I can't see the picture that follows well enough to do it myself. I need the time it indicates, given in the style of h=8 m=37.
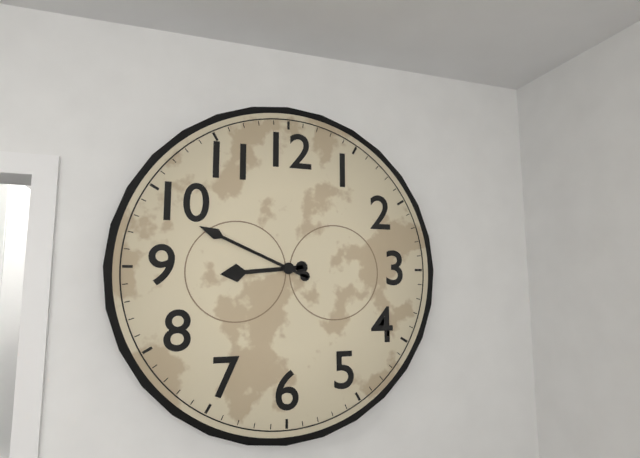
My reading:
h=8 m=49
